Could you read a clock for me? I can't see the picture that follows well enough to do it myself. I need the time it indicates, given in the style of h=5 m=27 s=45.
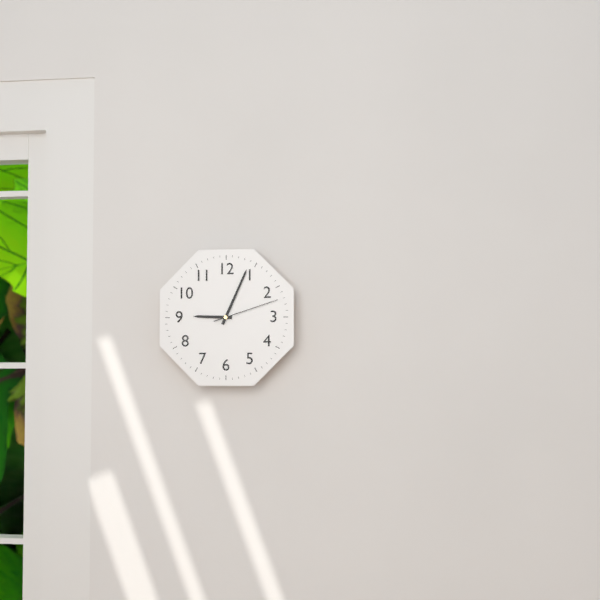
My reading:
h=9 m=4 s=12
